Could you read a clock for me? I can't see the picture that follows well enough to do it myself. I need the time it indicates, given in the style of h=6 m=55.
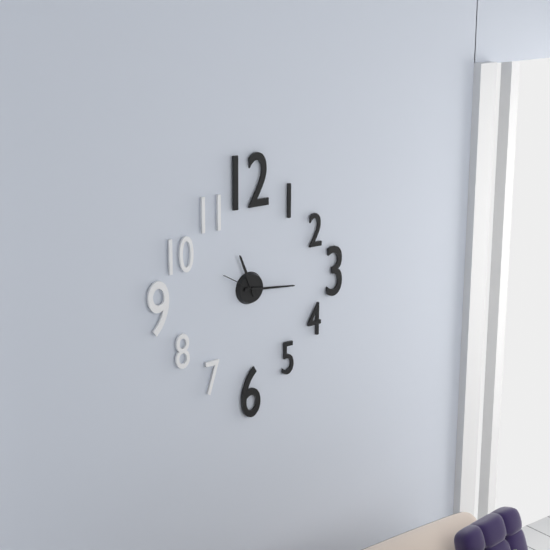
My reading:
h=11 m=16
